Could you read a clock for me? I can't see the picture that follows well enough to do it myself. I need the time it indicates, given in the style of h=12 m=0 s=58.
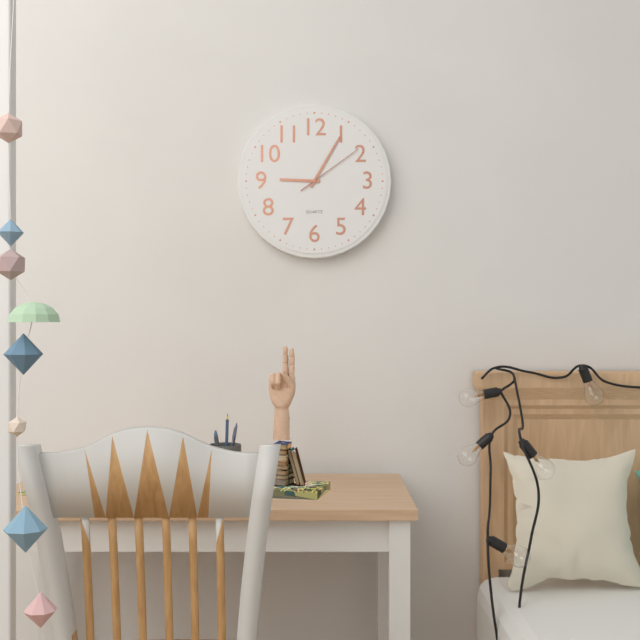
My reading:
h=9 m=5 s=9
